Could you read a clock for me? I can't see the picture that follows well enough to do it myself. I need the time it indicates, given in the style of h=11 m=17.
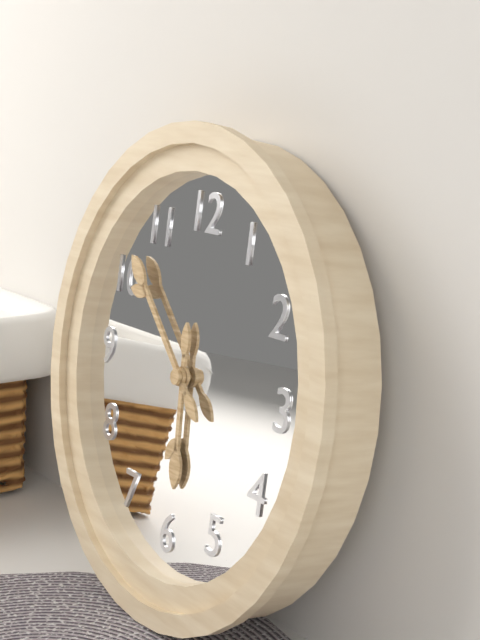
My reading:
h=5 m=52
